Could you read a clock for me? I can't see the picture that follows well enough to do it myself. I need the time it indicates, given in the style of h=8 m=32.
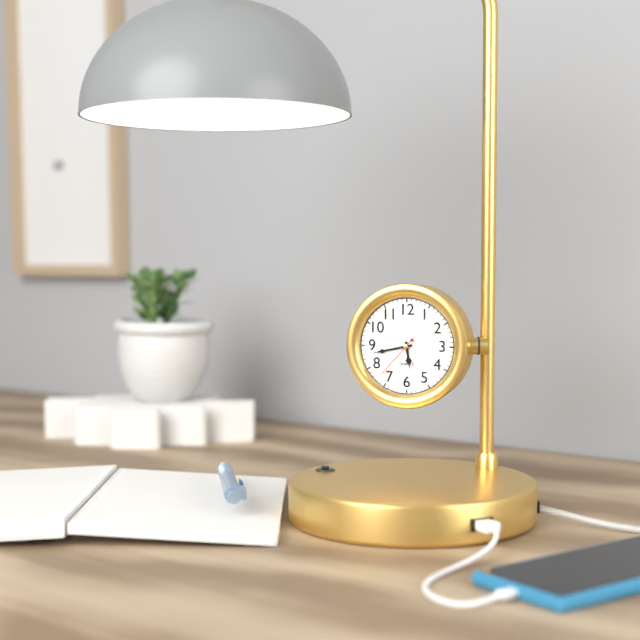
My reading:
h=5 m=43
